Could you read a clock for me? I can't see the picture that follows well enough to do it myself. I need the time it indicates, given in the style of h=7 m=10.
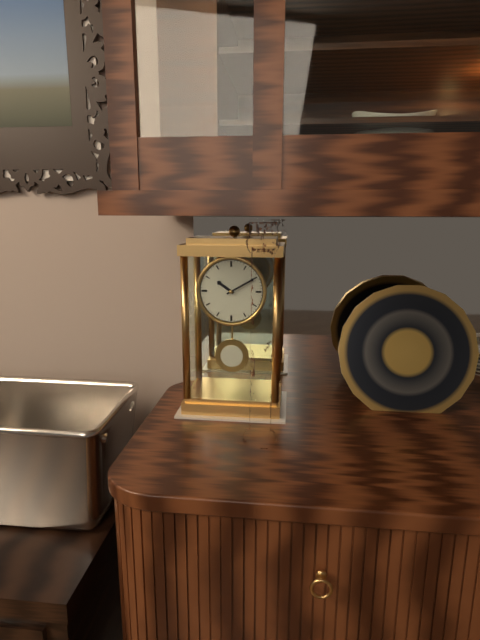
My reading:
h=10 m=10
